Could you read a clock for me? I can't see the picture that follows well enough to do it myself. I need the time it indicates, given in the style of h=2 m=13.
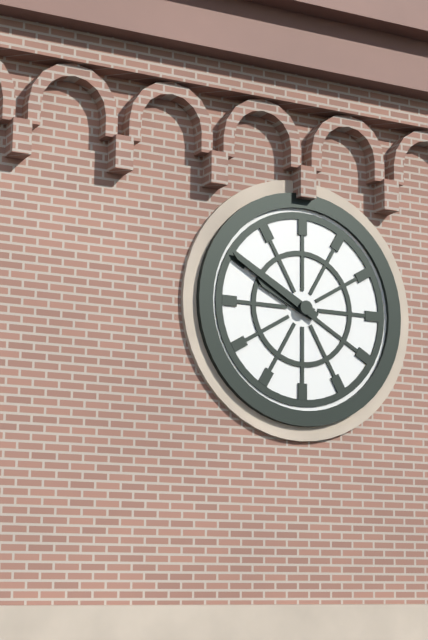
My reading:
h=9 m=50
